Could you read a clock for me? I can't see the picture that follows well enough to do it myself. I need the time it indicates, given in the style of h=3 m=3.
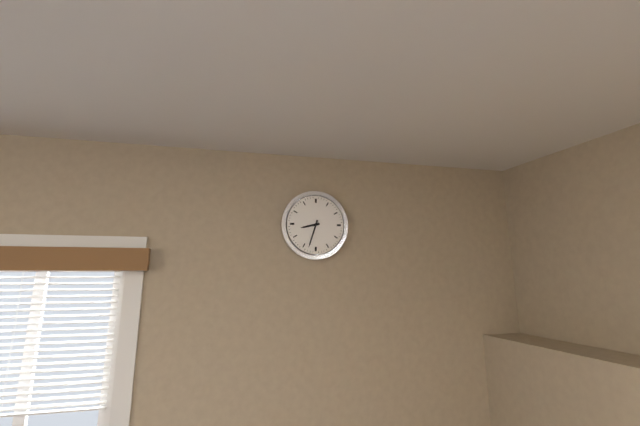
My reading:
h=8 m=33
